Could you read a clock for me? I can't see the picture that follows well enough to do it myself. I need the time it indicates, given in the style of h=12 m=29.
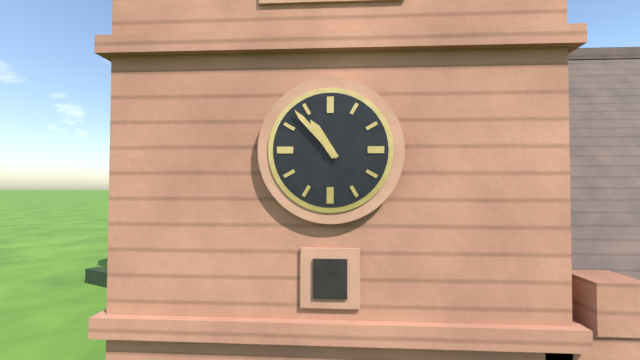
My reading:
h=10 m=53
